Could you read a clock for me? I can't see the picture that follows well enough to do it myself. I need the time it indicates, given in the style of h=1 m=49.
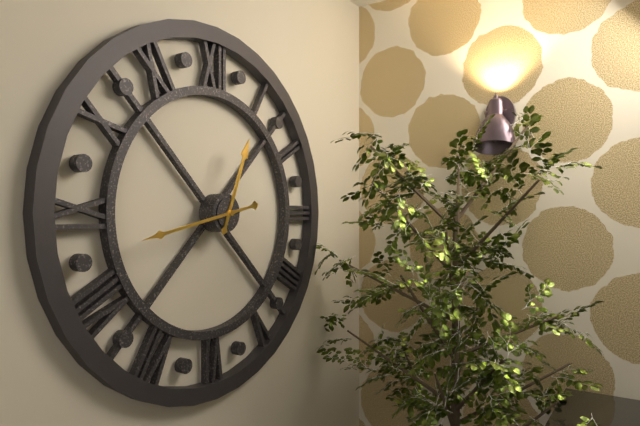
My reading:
h=12 m=43
